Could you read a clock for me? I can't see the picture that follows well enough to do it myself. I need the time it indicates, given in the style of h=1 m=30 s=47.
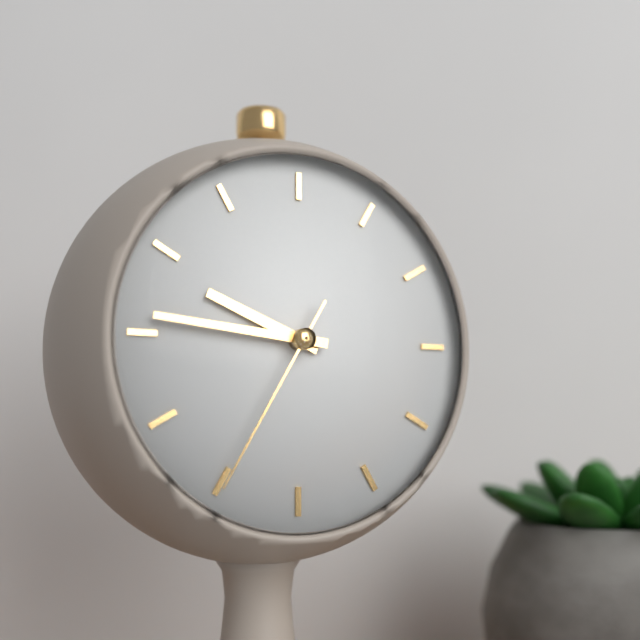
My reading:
h=9 m=46 s=35
